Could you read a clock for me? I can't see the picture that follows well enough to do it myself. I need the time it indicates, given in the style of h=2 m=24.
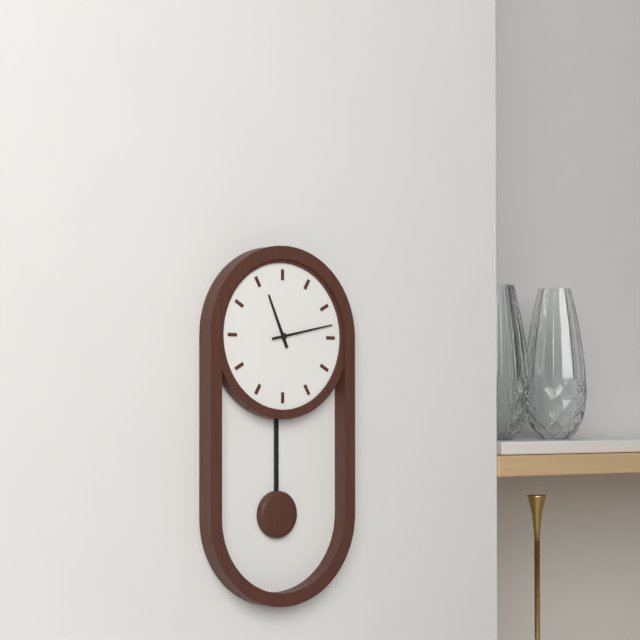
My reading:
h=11 m=13
